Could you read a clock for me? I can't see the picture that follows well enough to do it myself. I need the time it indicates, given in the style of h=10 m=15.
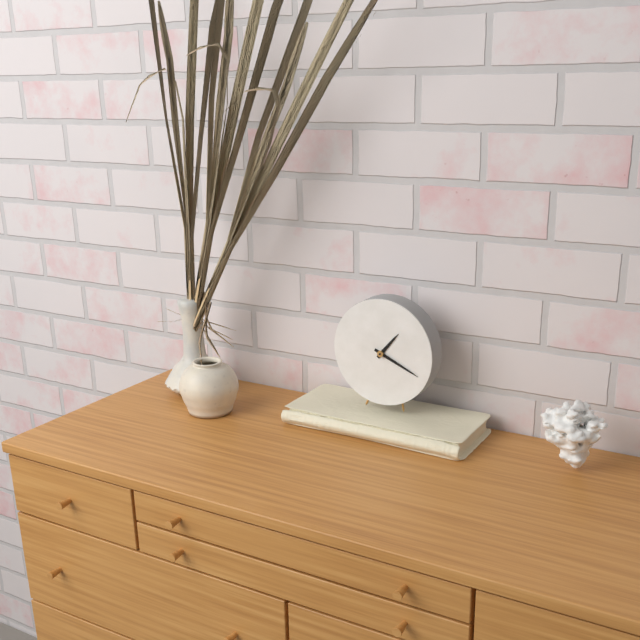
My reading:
h=1 m=19
